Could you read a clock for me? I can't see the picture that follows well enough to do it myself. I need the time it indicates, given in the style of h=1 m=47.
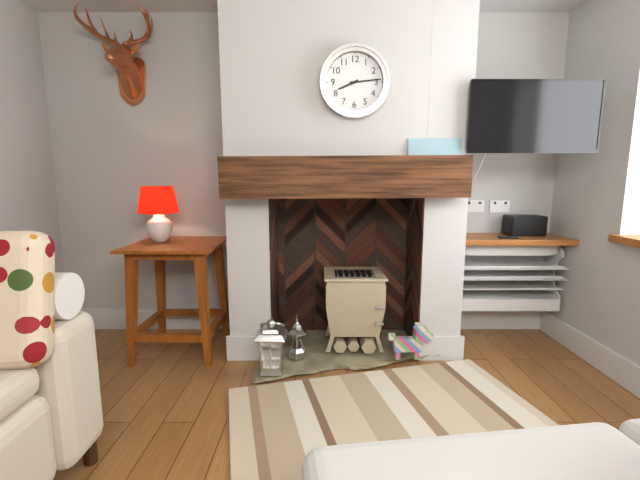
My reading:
h=8 m=14
